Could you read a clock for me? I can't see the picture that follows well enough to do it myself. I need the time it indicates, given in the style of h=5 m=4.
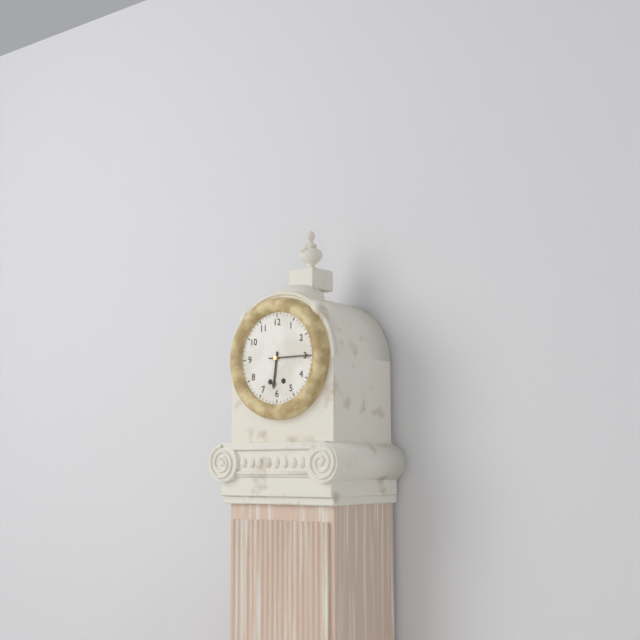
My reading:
h=6 m=15
